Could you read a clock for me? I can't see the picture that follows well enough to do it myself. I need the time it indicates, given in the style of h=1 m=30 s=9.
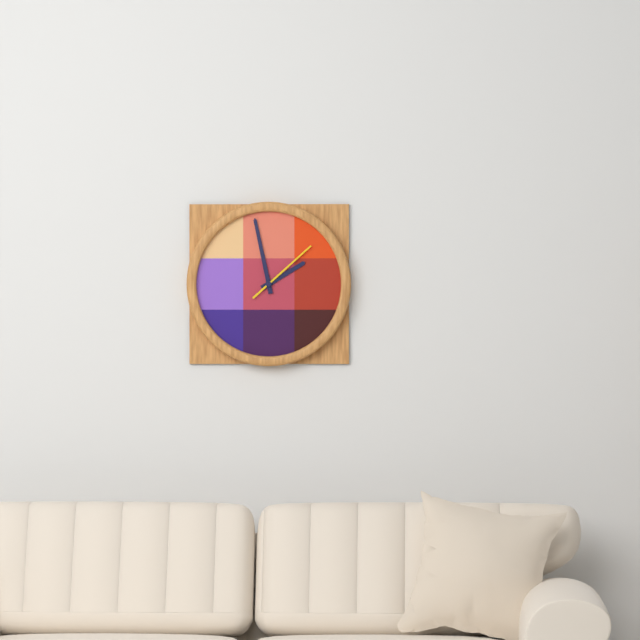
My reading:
h=1 m=58 s=8
